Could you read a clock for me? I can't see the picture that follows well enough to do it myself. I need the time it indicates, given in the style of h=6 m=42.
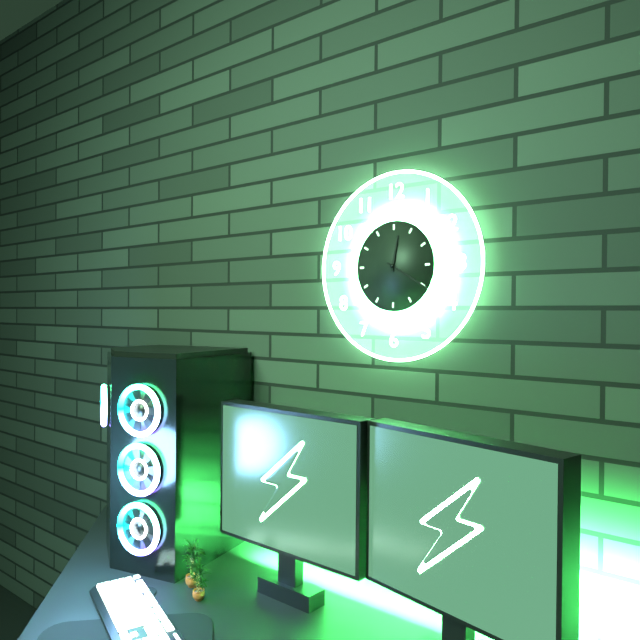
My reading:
h=12 m=20
